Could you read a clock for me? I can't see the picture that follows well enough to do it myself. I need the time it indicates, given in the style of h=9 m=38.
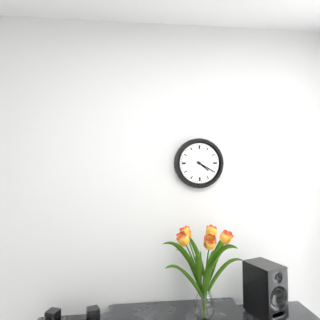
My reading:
h=4 m=20
